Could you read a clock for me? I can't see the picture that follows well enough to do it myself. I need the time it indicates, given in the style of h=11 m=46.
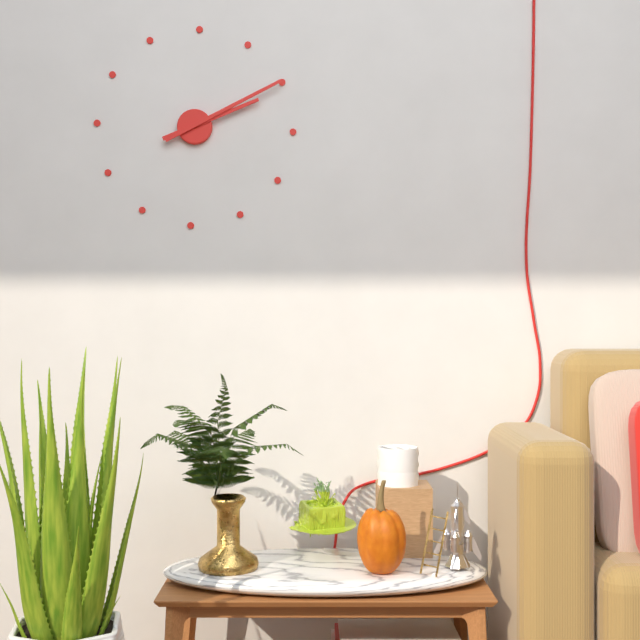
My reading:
h=2 m=10
